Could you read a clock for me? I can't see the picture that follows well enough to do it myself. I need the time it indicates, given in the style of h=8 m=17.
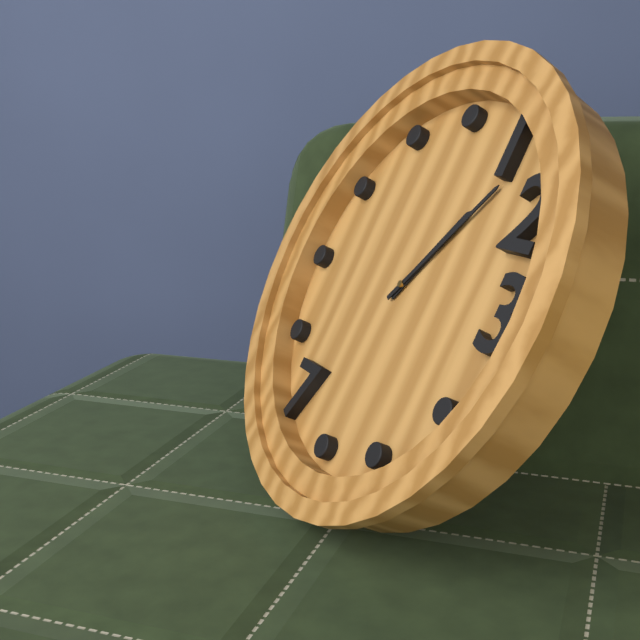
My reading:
h=1 m=6
